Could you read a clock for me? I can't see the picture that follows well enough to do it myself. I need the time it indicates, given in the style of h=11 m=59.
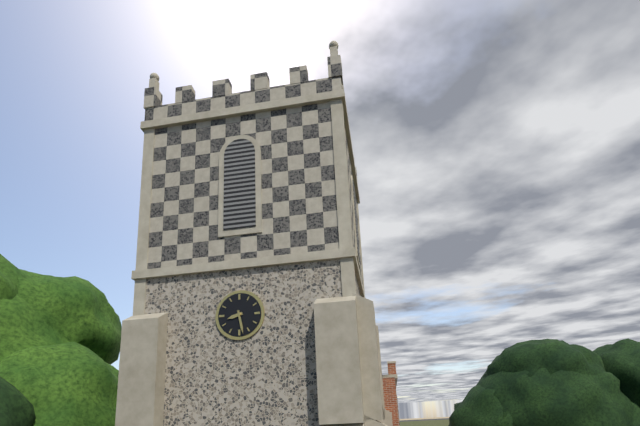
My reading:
h=8 m=28
